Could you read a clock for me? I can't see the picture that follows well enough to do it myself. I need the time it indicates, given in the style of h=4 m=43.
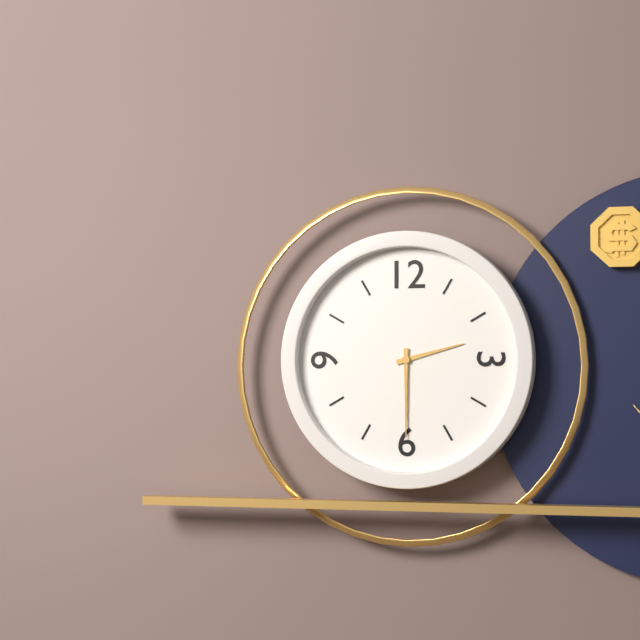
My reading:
h=2 m=30
